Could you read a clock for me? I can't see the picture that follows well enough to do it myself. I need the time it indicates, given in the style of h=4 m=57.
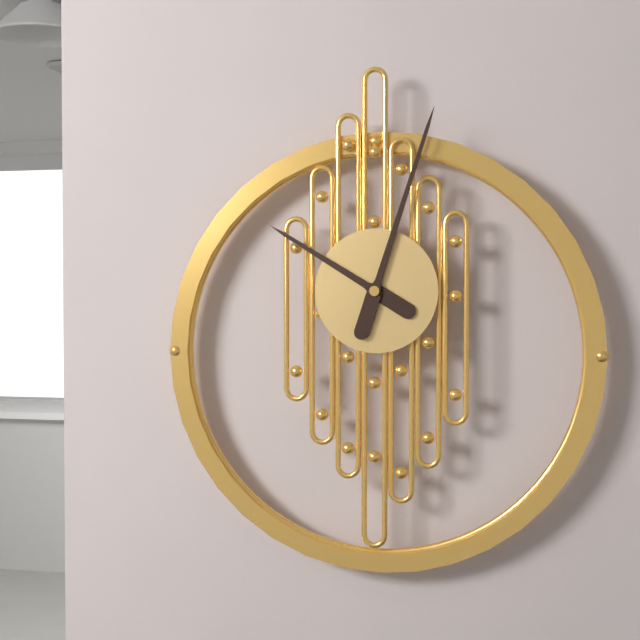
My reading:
h=10 m=3
